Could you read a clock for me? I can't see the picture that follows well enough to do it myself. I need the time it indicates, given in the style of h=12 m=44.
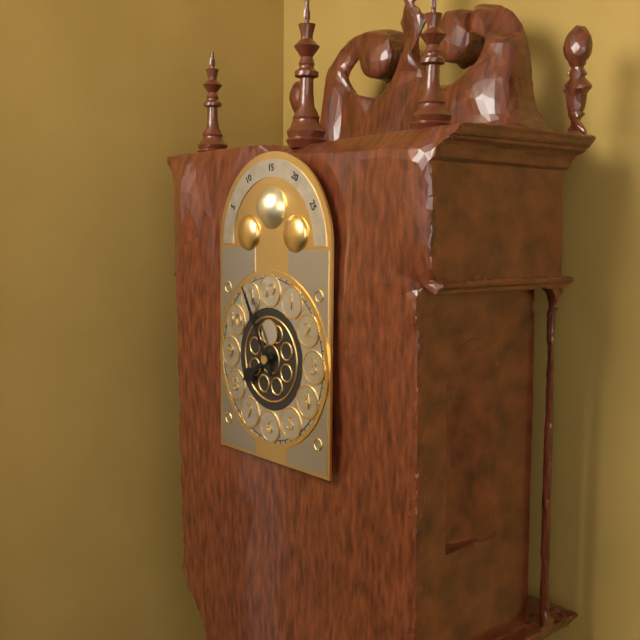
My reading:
h=7 m=55
